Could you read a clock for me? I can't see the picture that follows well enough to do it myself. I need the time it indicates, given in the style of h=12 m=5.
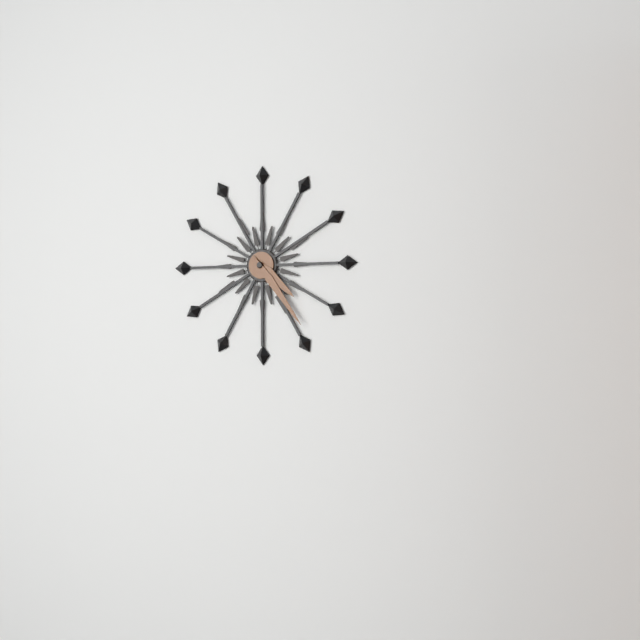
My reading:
h=4 m=24
